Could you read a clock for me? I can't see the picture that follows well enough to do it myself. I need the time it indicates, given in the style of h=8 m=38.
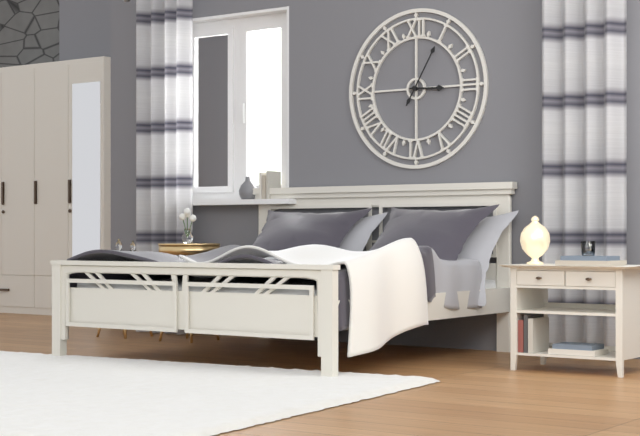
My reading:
h=3 m=5
